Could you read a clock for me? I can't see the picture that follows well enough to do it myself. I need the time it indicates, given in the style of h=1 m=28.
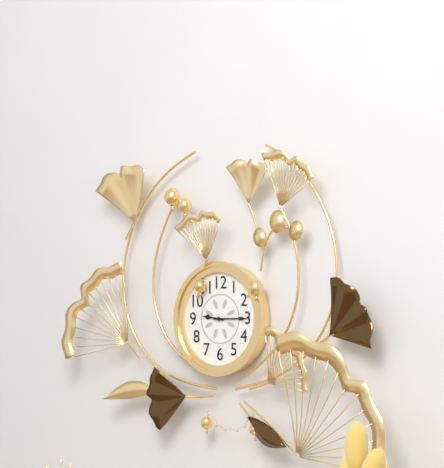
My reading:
h=9 m=15
